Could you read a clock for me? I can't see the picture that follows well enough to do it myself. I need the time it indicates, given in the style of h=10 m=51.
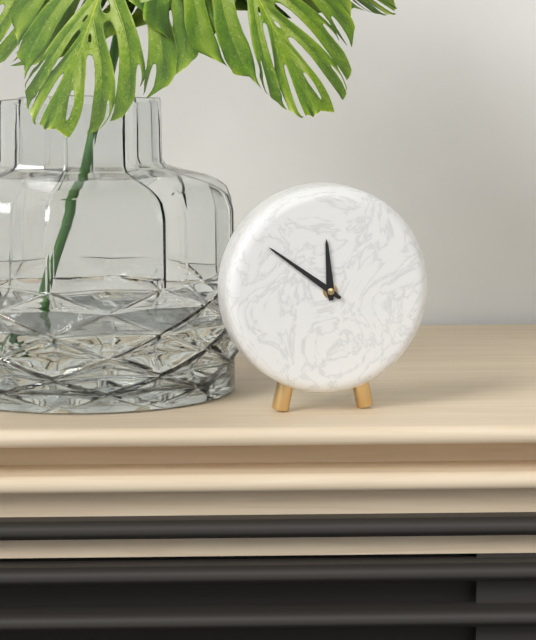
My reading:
h=11 m=51
